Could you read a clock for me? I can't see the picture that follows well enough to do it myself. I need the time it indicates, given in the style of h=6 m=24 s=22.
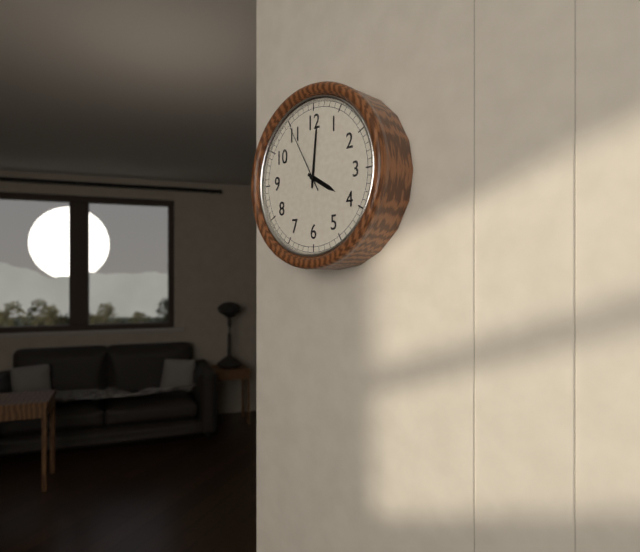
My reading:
h=4 m=1 s=55
